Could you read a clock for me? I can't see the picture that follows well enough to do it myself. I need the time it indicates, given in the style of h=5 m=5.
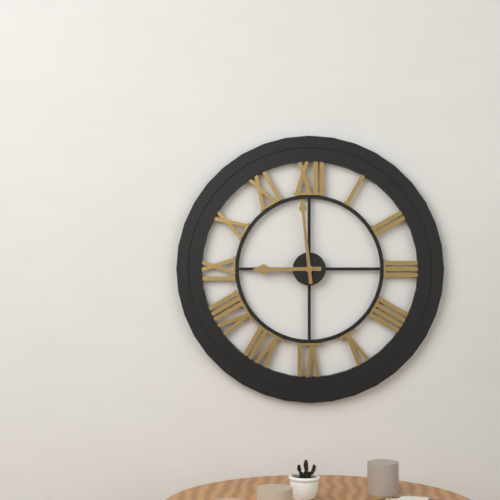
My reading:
h=8 m=59
